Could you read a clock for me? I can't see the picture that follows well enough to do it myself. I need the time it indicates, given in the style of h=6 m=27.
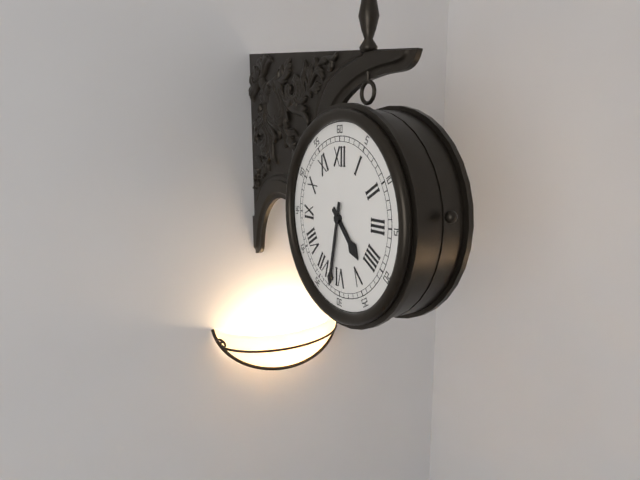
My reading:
h=4 m=32
